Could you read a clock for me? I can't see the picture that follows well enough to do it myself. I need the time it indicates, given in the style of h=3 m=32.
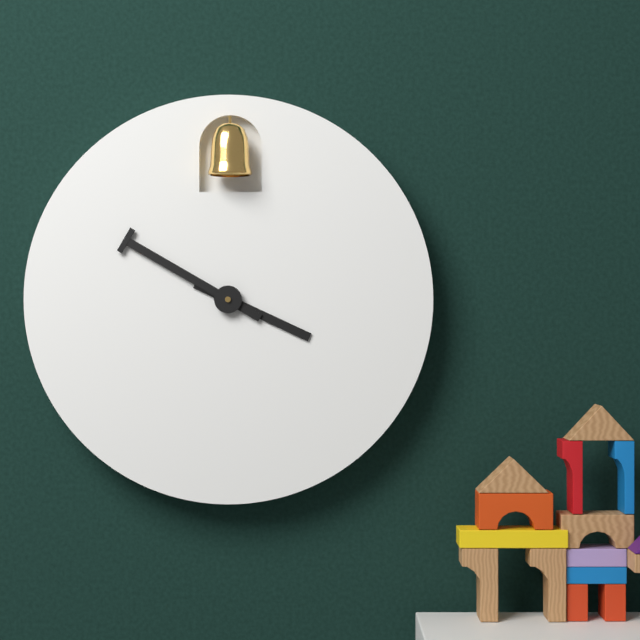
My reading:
h=3 m=50
